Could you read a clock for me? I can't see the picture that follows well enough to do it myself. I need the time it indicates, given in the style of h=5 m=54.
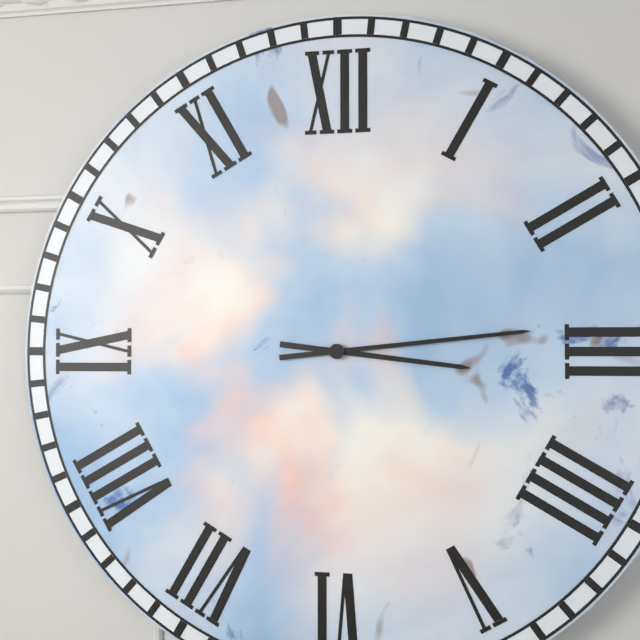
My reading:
h=3 m=14
